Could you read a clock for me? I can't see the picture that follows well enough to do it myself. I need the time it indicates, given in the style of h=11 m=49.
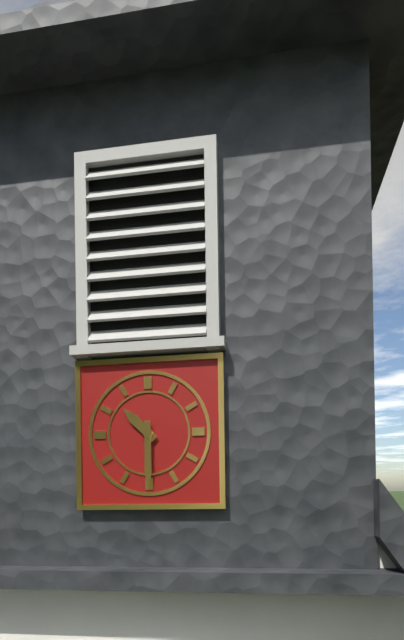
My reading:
h=10 m=30
